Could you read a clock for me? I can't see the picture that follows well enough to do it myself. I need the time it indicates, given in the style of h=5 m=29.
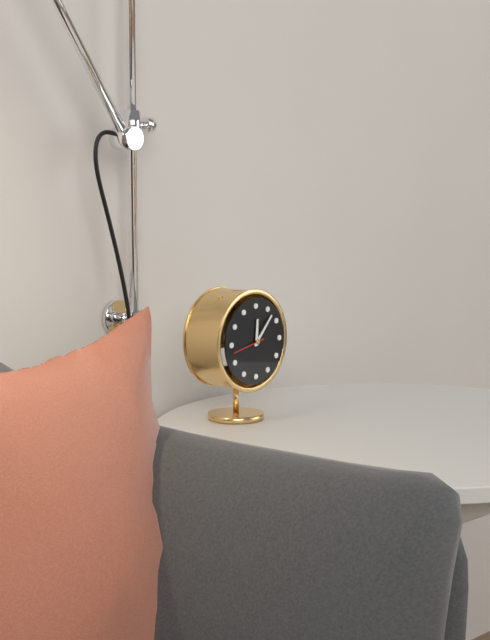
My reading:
h=12 m=7
